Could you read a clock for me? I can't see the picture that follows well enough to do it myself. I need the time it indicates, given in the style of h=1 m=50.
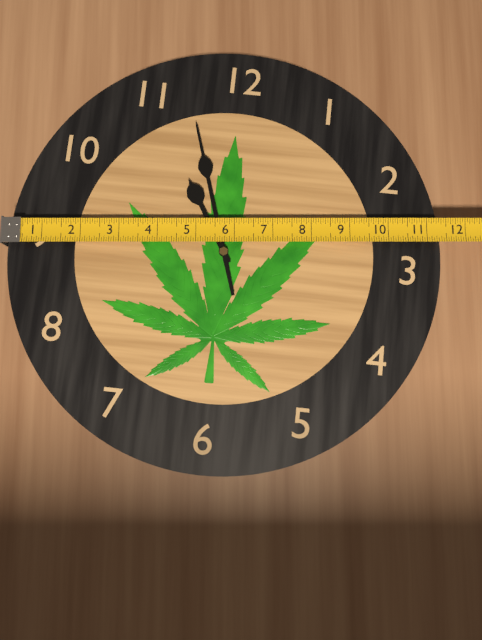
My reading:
h=10 m=57
